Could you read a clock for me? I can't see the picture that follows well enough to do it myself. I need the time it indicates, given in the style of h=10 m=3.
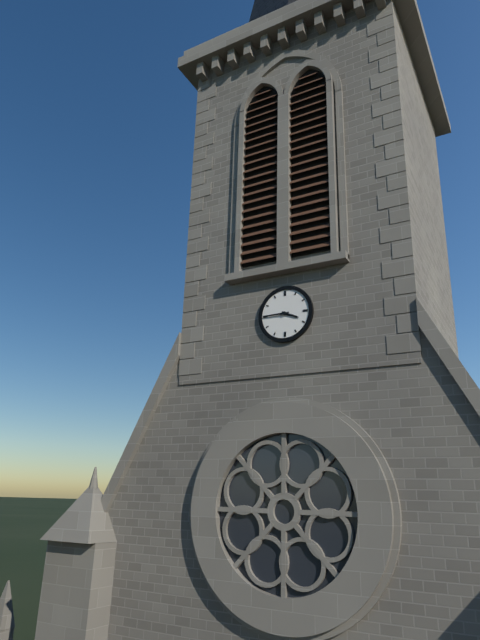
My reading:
h=3 m=45
